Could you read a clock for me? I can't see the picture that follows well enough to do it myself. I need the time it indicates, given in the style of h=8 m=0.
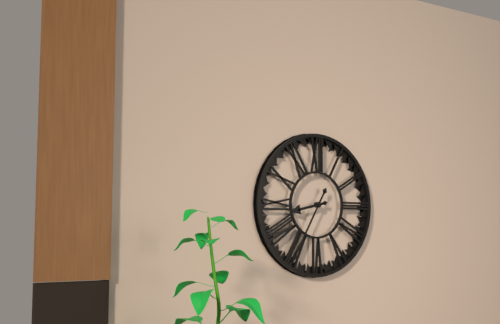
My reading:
h=8 m=35
